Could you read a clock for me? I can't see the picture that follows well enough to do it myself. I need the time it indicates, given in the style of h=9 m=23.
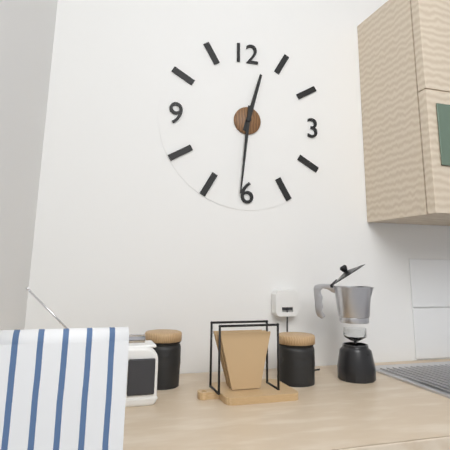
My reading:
h=12 m=31
